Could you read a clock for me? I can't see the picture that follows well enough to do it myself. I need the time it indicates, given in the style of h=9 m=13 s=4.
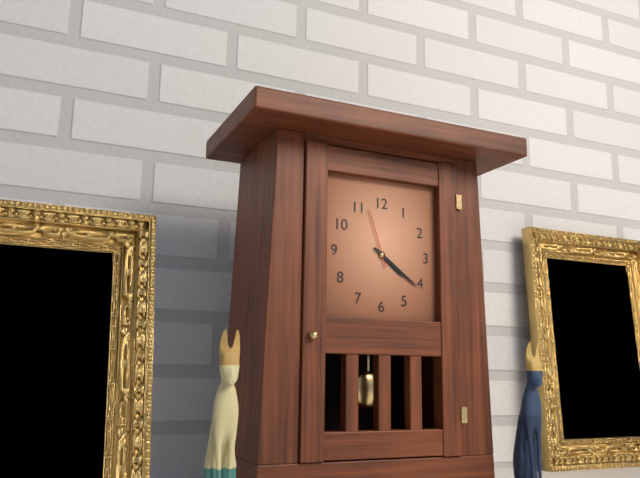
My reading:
h=4 m=21 s=57
